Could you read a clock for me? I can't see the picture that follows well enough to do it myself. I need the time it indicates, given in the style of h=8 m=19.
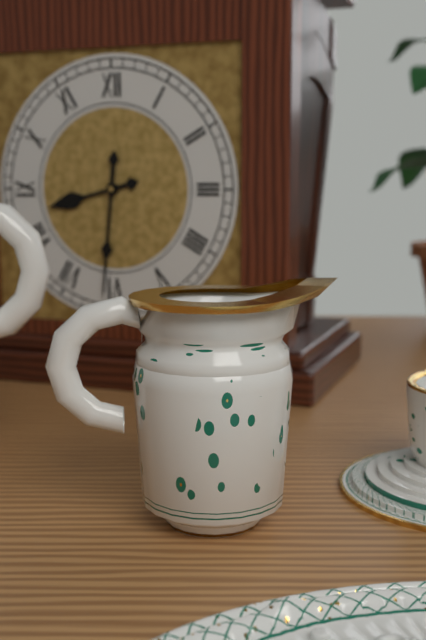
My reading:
h=8 m=31
